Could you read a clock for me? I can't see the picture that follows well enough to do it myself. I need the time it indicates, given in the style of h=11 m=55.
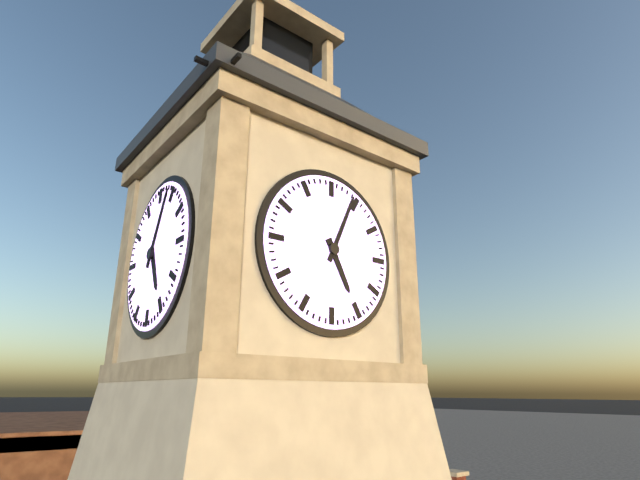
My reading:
h=5 m=4
